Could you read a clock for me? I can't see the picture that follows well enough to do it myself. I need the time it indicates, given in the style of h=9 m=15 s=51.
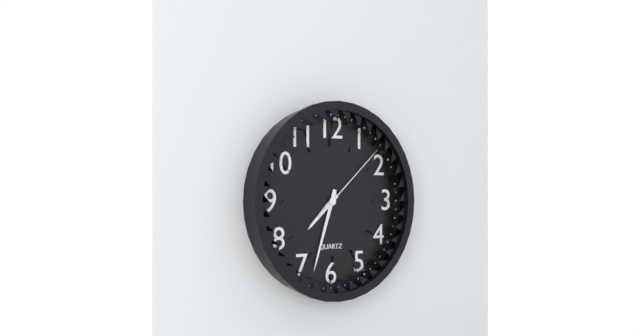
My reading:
h=7 m=33 s=8
